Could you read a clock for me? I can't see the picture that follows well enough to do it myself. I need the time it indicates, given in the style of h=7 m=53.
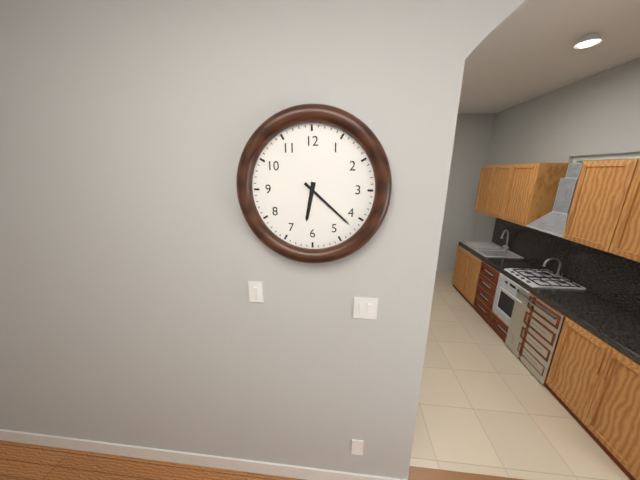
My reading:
h=6 m=22
